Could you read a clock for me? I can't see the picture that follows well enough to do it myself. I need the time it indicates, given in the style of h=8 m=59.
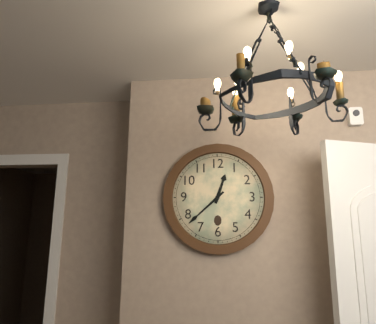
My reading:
h=12 m=38
